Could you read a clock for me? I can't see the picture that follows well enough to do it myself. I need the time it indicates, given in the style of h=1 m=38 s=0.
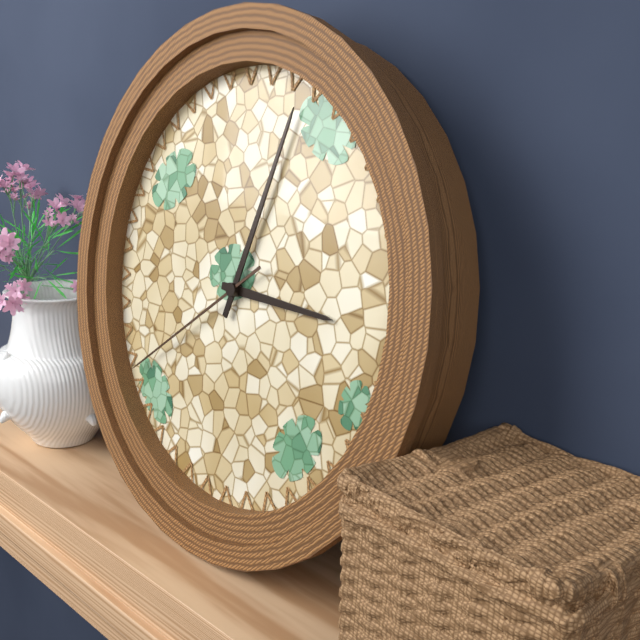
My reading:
h=3 m=3 s=39
